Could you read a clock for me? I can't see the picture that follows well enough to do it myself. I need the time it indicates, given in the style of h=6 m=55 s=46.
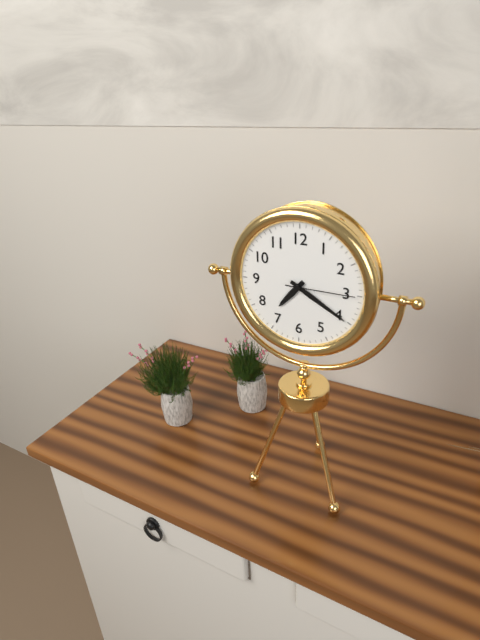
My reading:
h=7 m=20 s=15
